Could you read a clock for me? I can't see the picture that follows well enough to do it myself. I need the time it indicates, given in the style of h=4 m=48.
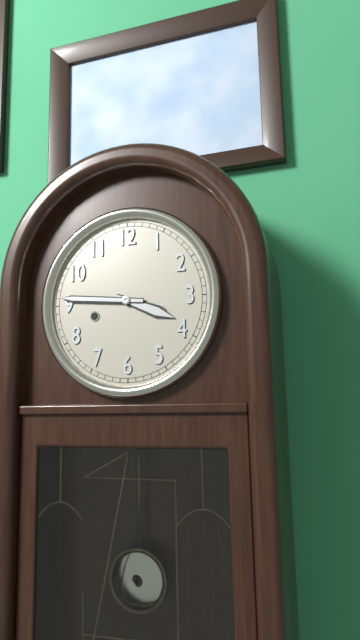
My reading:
h=3 m=46
